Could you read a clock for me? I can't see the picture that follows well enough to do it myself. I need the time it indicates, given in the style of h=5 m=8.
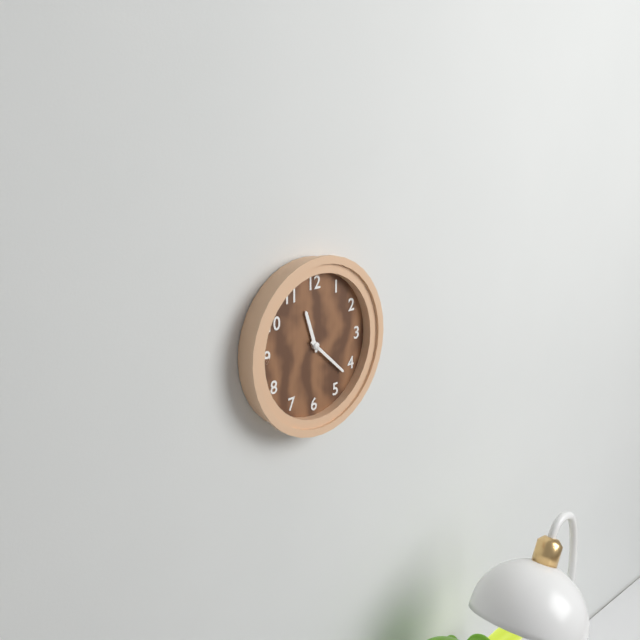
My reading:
h=11 m=22
